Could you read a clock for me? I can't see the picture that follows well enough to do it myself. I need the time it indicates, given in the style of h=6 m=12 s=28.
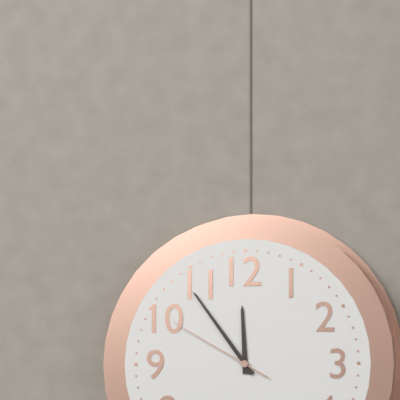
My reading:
h=11 m=54 s=50
